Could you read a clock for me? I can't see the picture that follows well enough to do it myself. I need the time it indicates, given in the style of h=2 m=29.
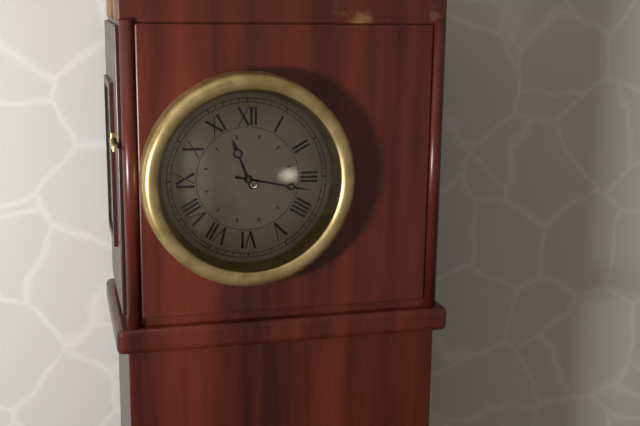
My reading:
h=11 m=17
